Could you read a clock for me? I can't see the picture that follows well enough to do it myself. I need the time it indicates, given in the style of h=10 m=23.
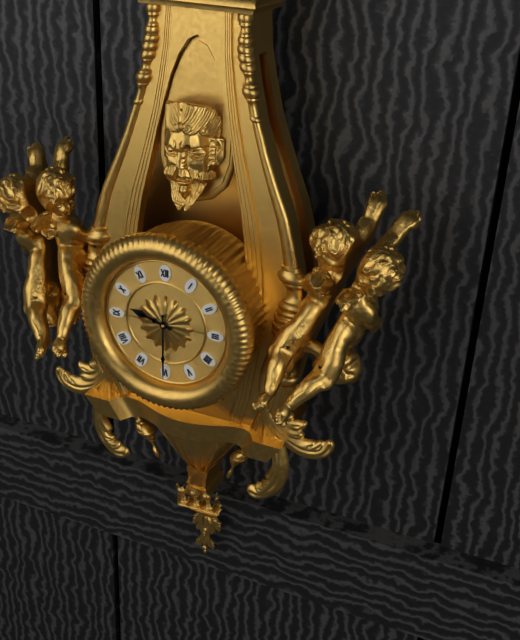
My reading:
h=9 m=30
